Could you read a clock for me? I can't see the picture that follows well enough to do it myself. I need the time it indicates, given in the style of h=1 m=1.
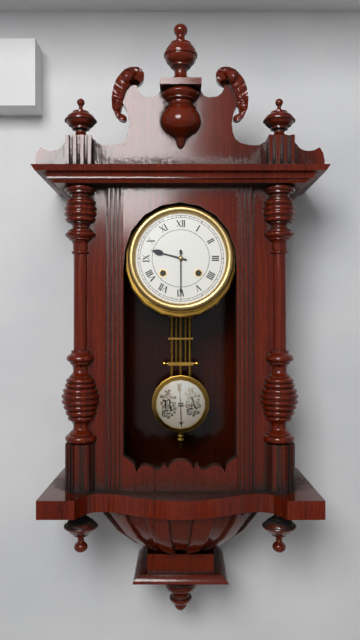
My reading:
h=9 m=30
